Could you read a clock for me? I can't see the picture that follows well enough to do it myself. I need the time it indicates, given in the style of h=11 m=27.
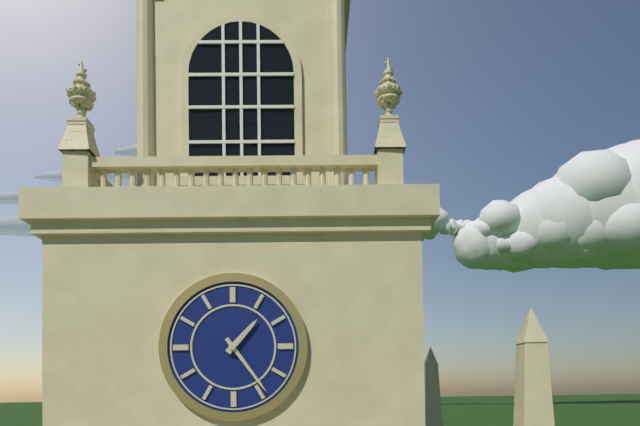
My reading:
h=1 m=24
